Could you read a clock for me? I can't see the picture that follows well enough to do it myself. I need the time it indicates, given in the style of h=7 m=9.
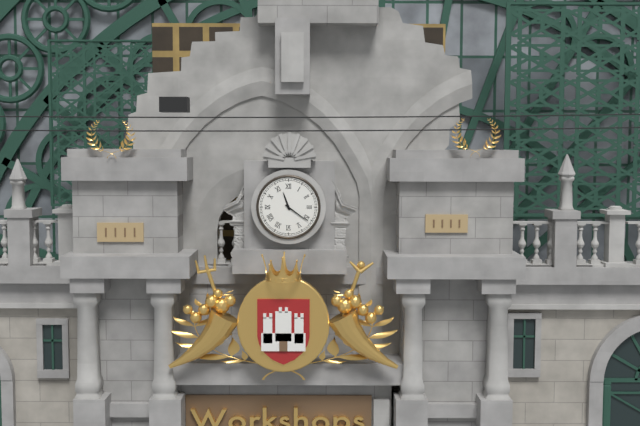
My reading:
h=11 m=21
